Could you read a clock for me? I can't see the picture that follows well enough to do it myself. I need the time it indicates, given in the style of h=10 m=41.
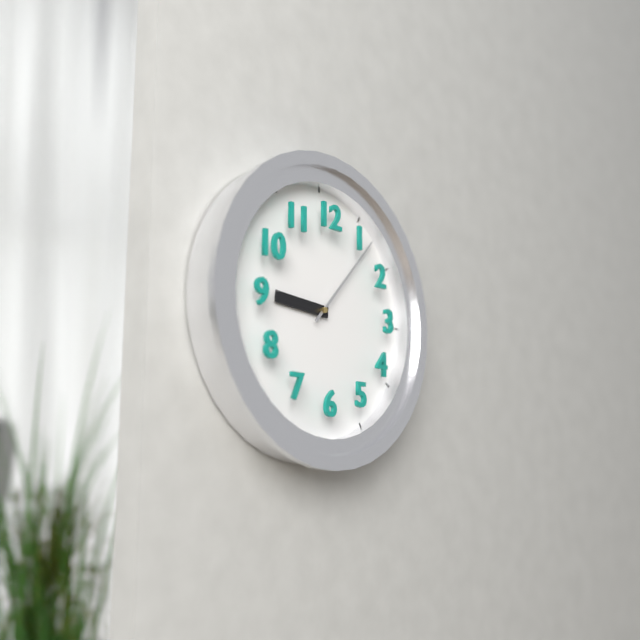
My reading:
h=9 m=7
